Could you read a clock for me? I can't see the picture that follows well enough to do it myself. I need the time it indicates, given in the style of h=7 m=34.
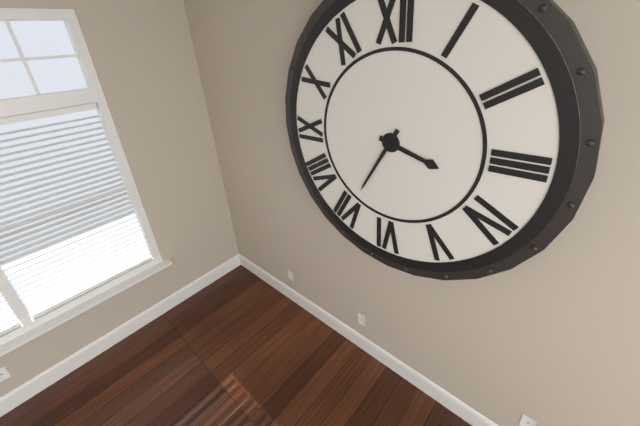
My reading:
h=3 m=35
